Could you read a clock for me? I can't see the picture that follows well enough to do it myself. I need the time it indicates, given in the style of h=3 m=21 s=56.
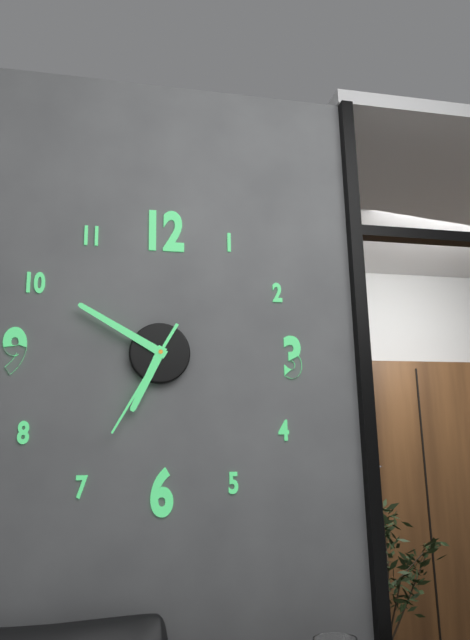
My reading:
h=6 m=50 s=35
